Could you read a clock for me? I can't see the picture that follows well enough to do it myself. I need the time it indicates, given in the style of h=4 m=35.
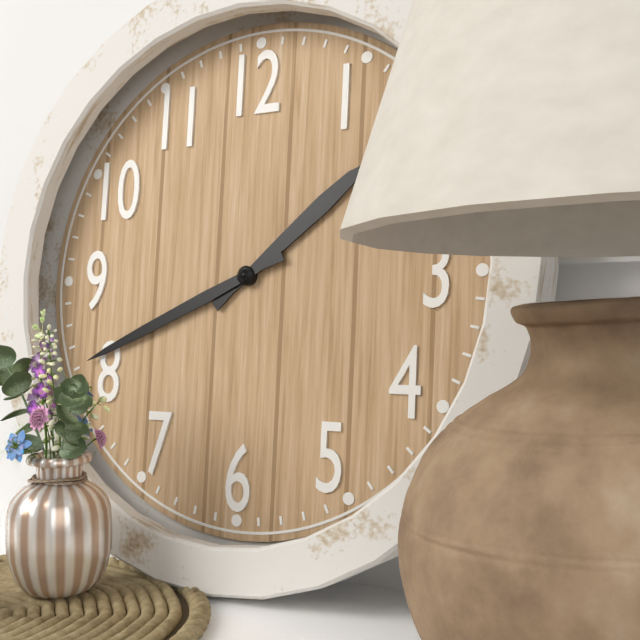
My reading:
h=1 m=41
